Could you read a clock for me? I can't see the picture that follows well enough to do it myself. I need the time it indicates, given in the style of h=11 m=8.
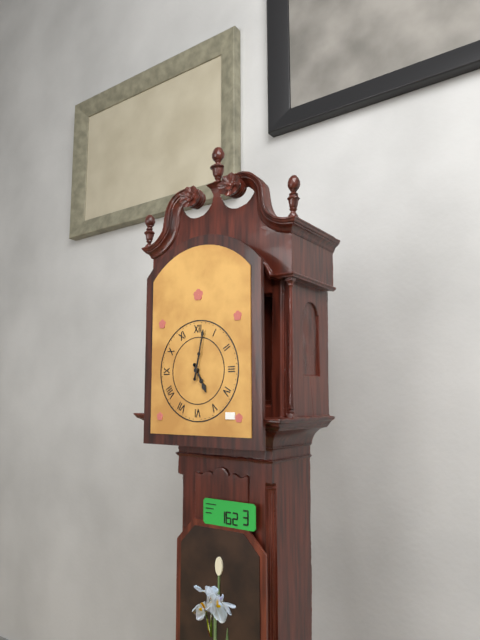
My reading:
h=5 m=2
